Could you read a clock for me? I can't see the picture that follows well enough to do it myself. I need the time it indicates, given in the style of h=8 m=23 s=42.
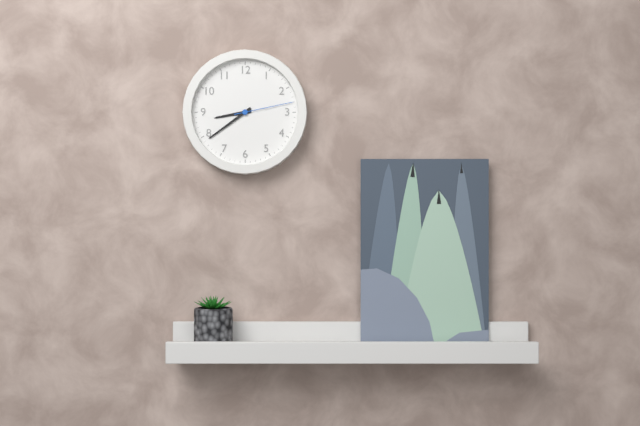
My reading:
h=8 m=39 s=13
